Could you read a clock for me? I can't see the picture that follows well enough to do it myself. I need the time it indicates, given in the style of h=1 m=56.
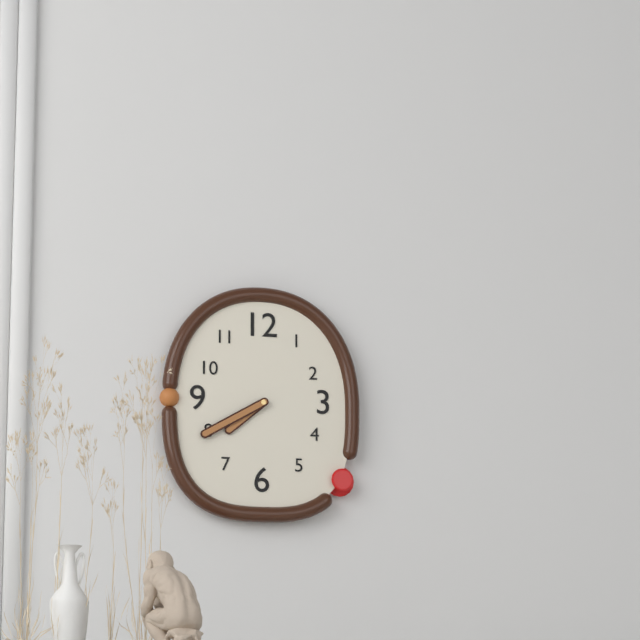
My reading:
h=7 m=40
